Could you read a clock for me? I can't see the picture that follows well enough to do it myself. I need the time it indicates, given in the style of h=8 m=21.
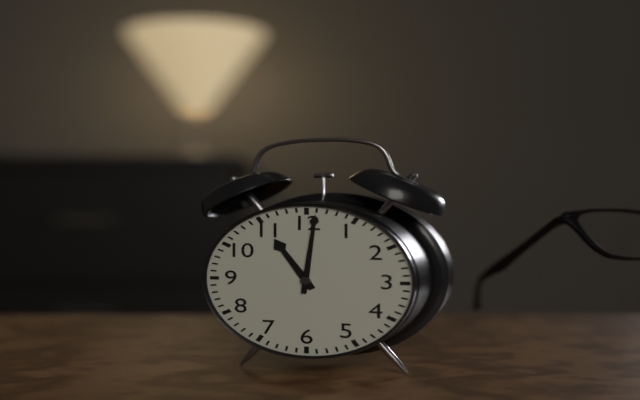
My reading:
h=11 m=1
